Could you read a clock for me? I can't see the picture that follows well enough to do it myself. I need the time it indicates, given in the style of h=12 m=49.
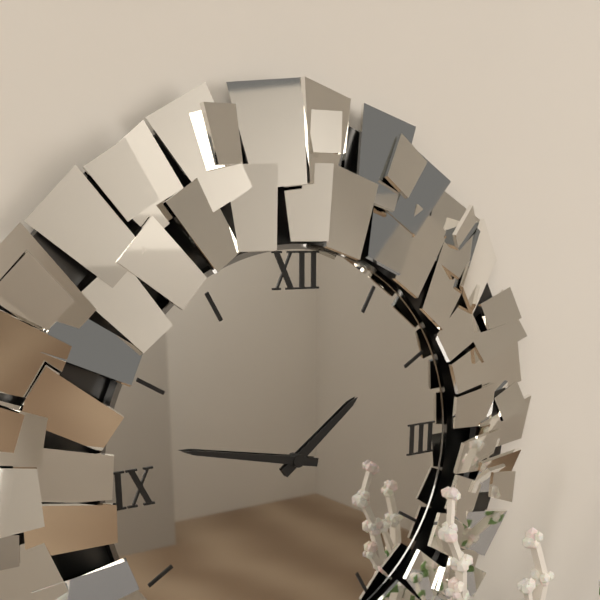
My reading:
h=1 m=47
